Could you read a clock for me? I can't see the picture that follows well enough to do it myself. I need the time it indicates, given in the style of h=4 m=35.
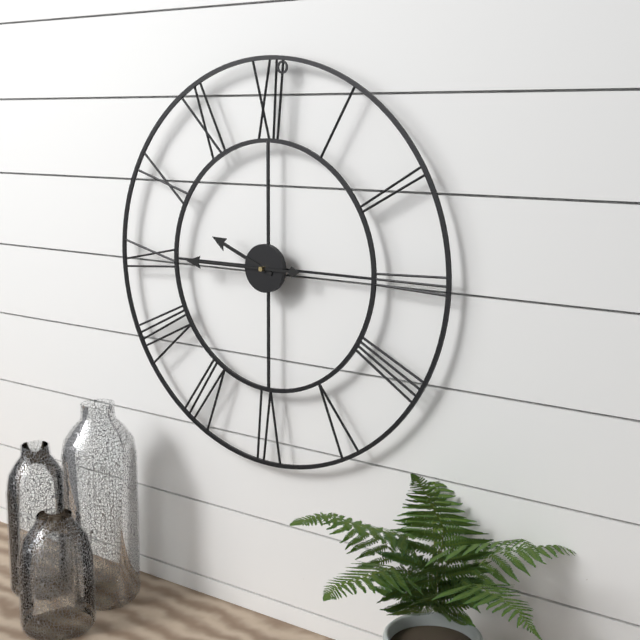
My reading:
h=9 m=45
